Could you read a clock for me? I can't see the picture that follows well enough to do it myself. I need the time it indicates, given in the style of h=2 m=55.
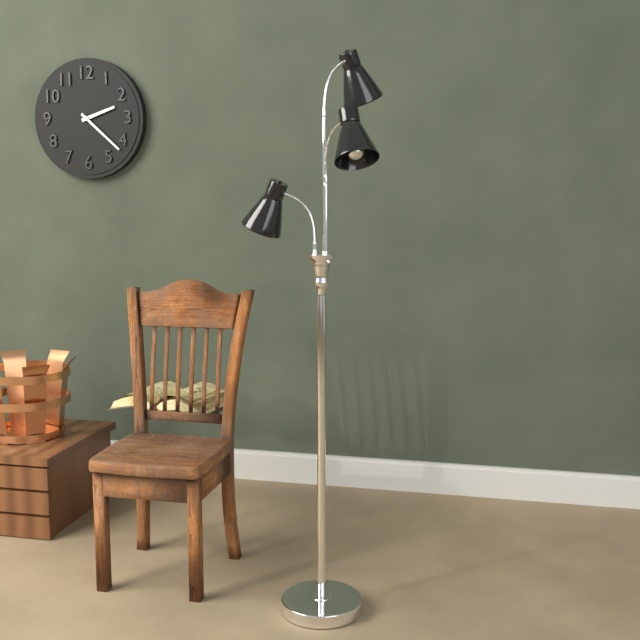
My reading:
h=2 m=22
